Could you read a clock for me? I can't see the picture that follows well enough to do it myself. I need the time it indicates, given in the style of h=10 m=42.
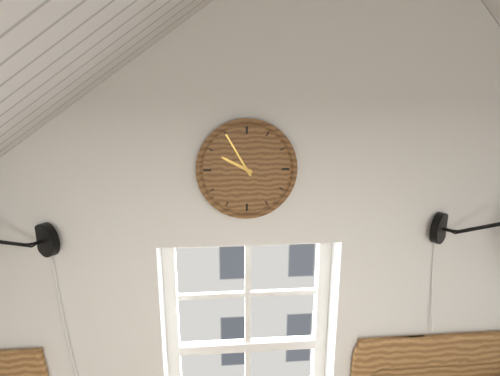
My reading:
h=9 m=55
